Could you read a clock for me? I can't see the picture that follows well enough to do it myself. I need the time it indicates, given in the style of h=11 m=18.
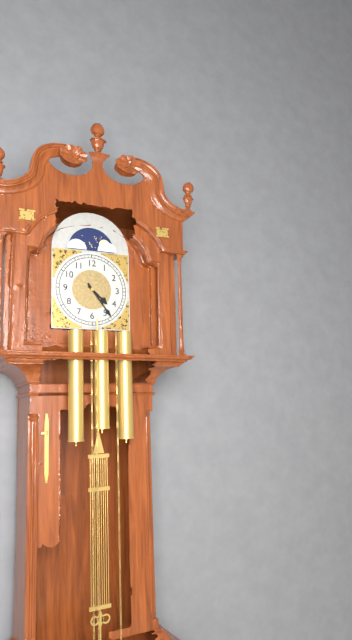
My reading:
h=4 m=24
